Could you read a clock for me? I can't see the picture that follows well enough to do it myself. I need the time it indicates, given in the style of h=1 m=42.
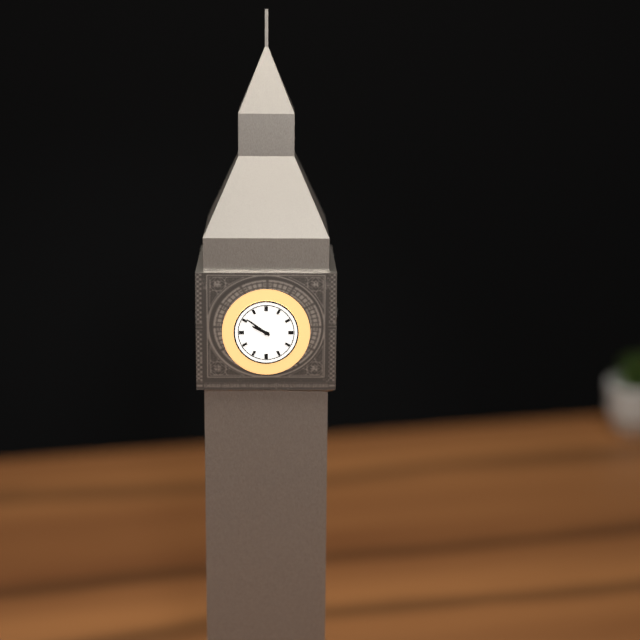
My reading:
h=9 m=51
